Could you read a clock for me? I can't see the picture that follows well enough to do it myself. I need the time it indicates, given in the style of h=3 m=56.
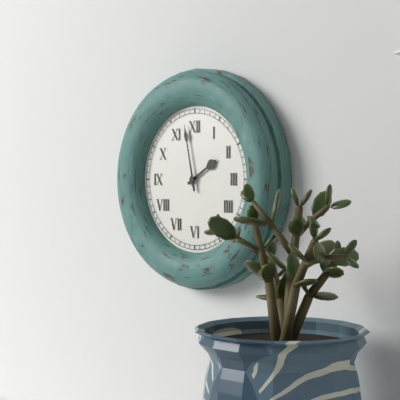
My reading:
h=1 m=58
